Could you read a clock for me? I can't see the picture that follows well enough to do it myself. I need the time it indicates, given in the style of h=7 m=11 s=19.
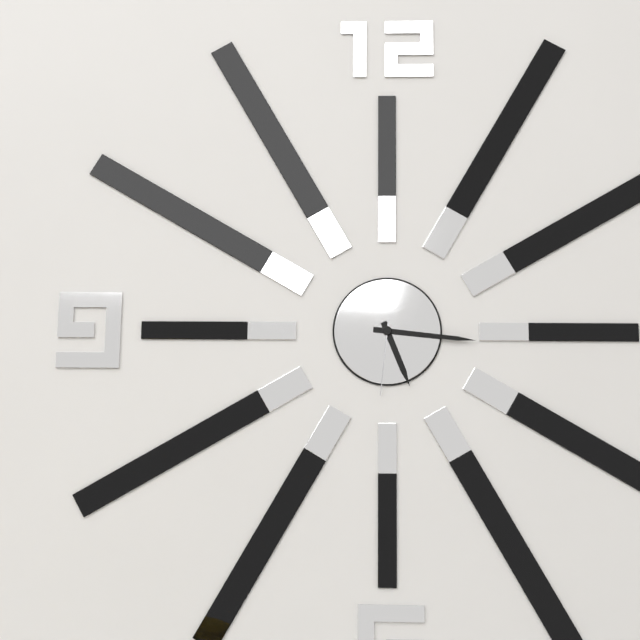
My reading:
h=5 m=16 s=31
